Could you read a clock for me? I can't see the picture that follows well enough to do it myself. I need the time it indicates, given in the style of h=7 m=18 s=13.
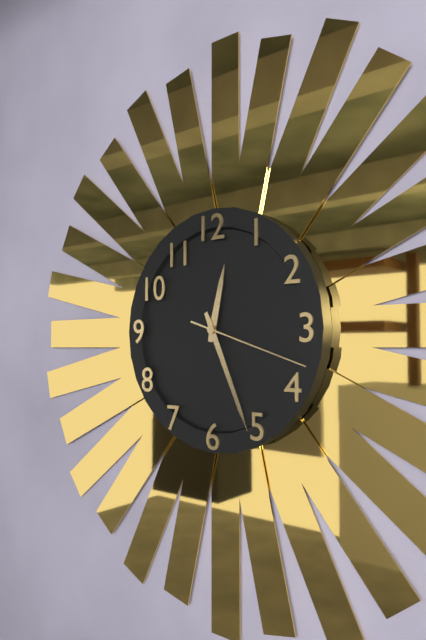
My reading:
h=12 m=26 s=18
